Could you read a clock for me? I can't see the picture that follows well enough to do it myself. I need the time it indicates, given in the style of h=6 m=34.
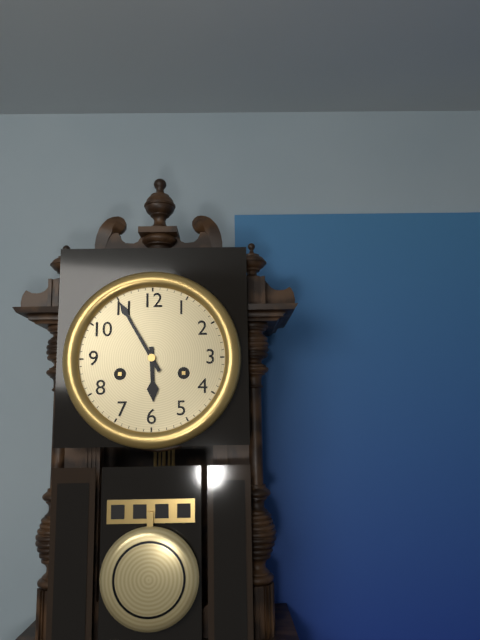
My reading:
h=5 m=55
